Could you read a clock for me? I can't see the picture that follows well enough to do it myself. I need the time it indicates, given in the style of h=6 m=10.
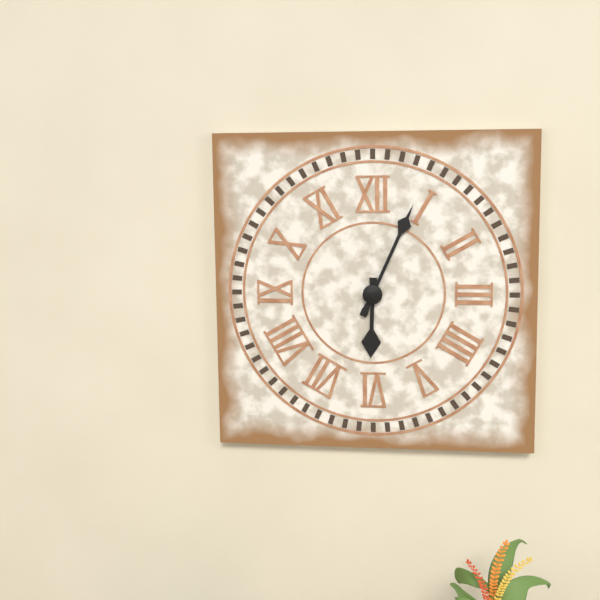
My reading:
h=6 m=4
